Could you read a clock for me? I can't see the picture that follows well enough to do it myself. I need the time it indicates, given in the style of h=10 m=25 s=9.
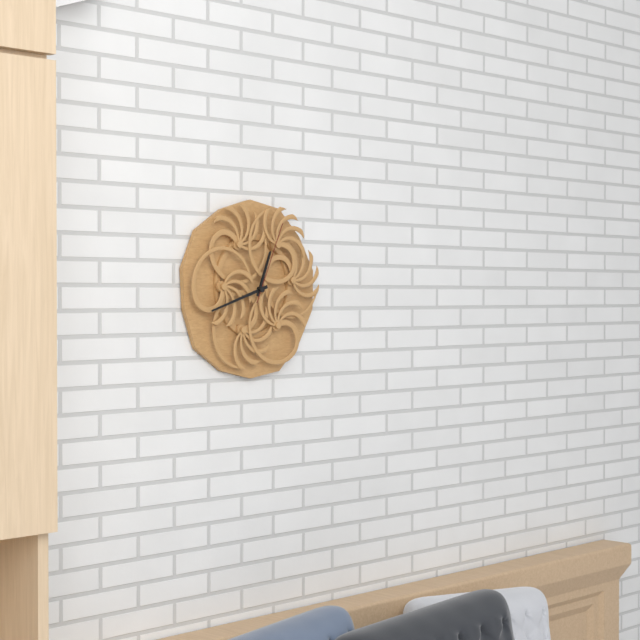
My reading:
h=12 m=42 s=4
